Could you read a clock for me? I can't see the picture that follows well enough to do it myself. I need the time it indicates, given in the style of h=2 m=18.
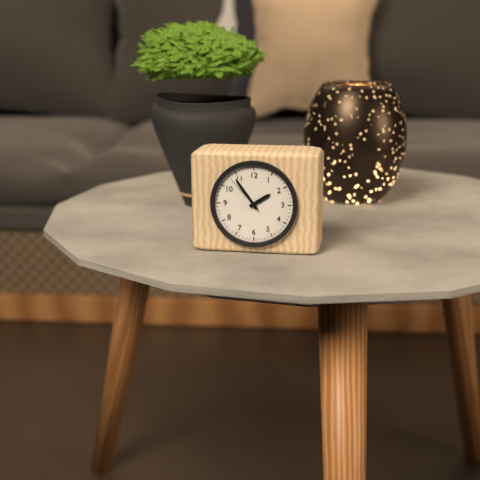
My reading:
h=1 m=54
